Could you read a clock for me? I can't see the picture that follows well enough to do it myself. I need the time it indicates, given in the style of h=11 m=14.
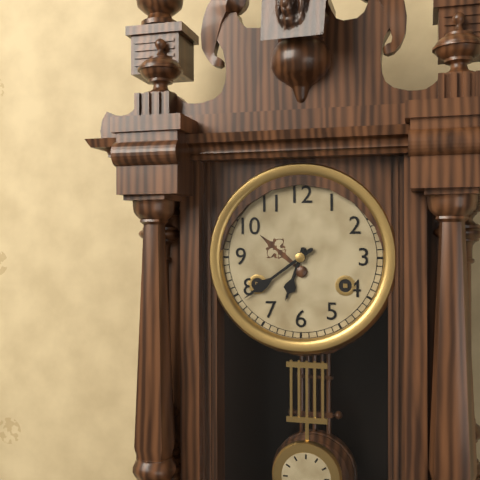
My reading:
h=6 m=39
